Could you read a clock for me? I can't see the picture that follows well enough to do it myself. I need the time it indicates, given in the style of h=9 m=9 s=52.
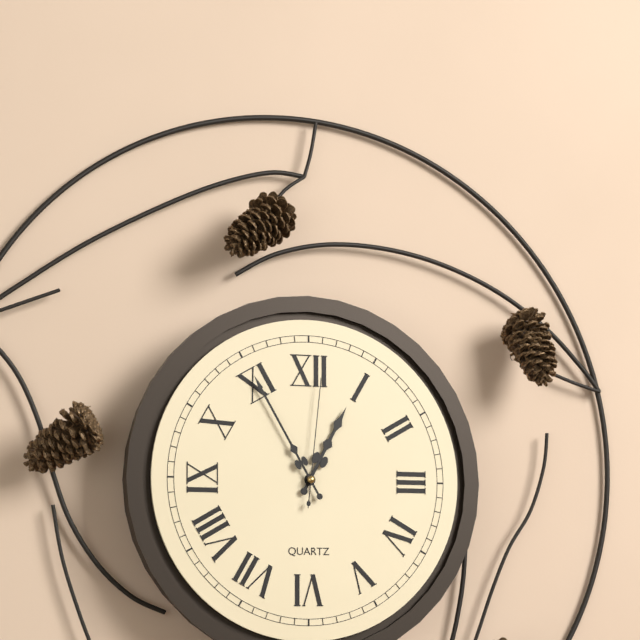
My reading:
h=12 m=55 s=1
